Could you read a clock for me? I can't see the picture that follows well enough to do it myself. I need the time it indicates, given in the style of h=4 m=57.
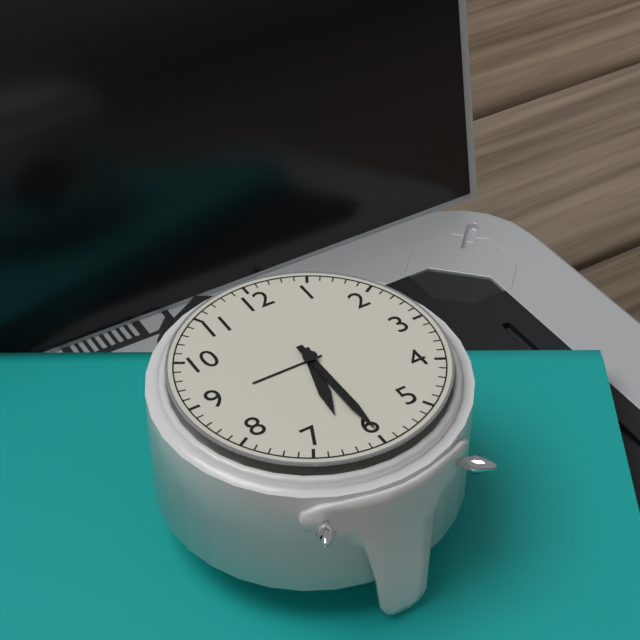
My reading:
h=6 m=30
